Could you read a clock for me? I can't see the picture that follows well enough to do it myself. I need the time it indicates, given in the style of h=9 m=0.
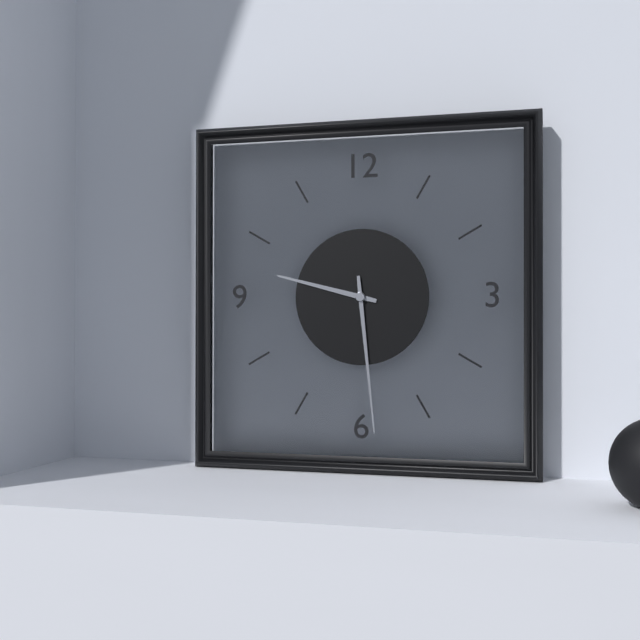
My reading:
h=9 m=29
